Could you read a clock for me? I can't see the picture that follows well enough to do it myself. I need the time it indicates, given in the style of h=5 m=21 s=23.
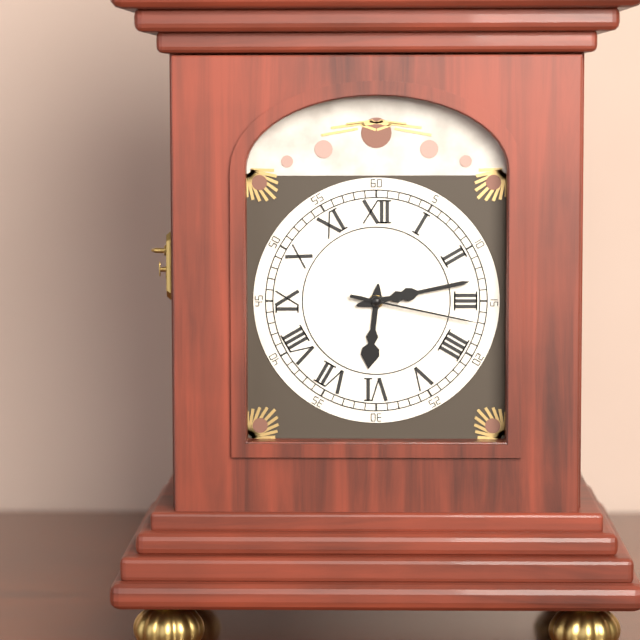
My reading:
h=6 m=13 s=17
